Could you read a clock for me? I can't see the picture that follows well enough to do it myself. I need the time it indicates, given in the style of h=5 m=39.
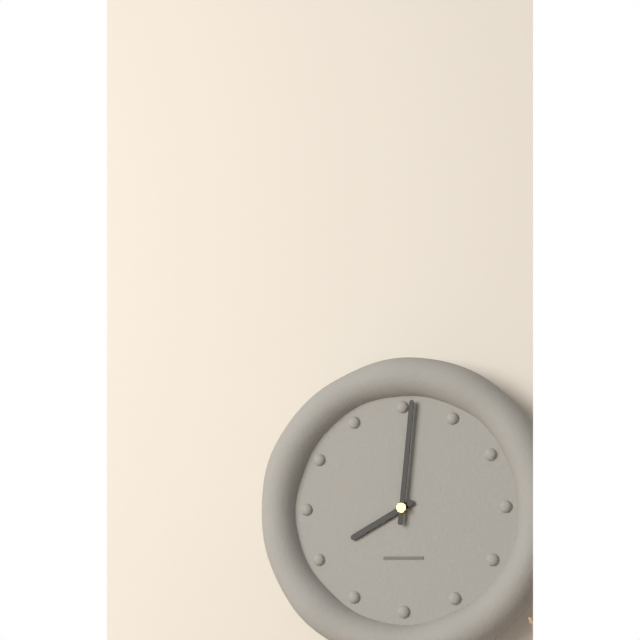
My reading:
h=8 m=1
